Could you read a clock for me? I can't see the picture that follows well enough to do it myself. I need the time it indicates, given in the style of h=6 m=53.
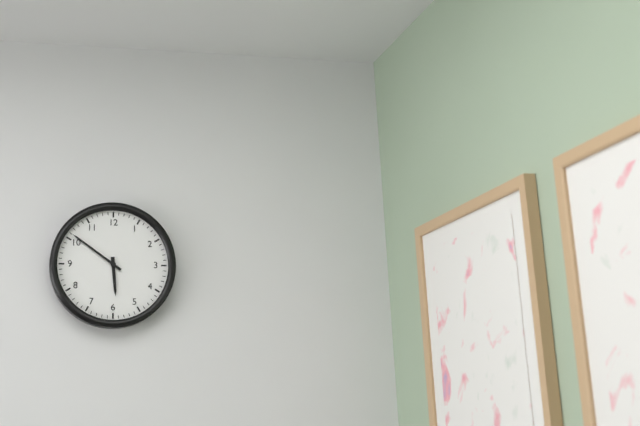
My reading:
h=5 m=51
